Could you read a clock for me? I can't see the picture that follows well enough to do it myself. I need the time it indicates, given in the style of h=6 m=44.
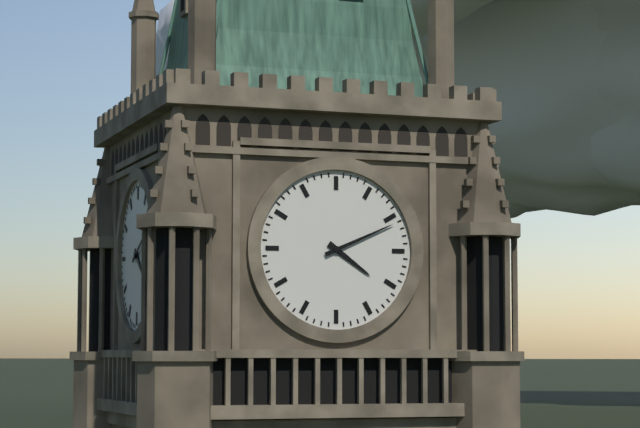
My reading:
h=4 m=11
